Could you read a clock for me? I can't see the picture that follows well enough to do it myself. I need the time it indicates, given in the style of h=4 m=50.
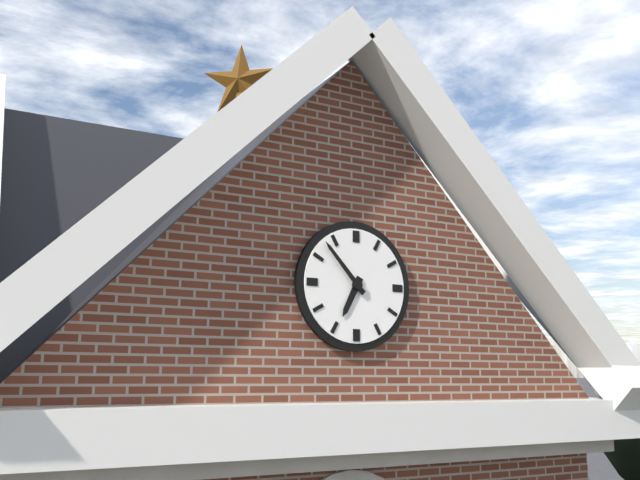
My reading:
h=6 m=53
